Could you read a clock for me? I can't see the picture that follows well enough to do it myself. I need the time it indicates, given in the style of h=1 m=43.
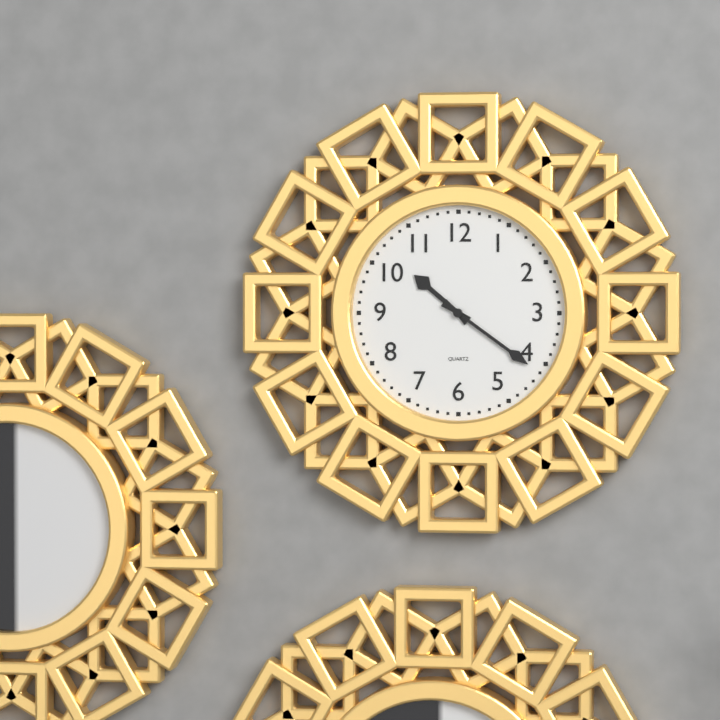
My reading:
h=10 m=21
